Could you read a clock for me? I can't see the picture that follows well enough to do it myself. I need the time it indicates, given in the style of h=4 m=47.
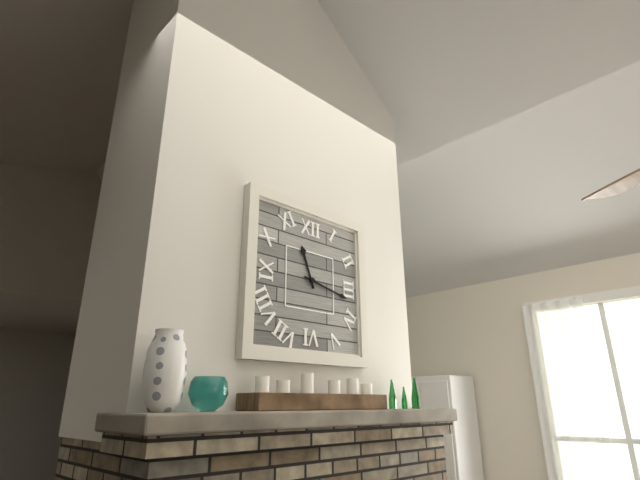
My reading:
h=11 m=17
